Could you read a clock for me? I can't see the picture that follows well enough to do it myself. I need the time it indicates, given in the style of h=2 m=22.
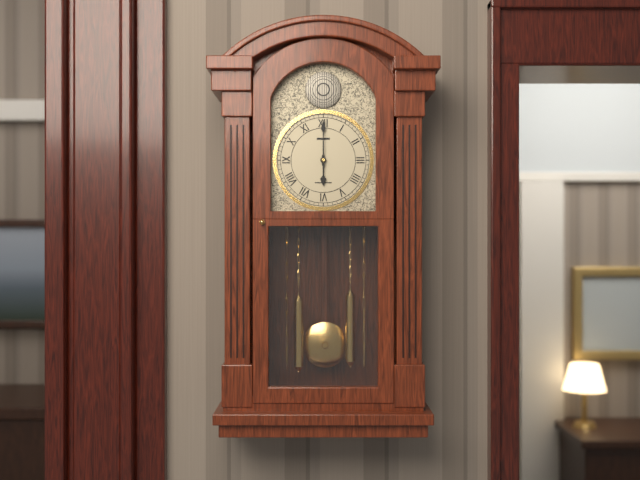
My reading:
h=6 m=0
